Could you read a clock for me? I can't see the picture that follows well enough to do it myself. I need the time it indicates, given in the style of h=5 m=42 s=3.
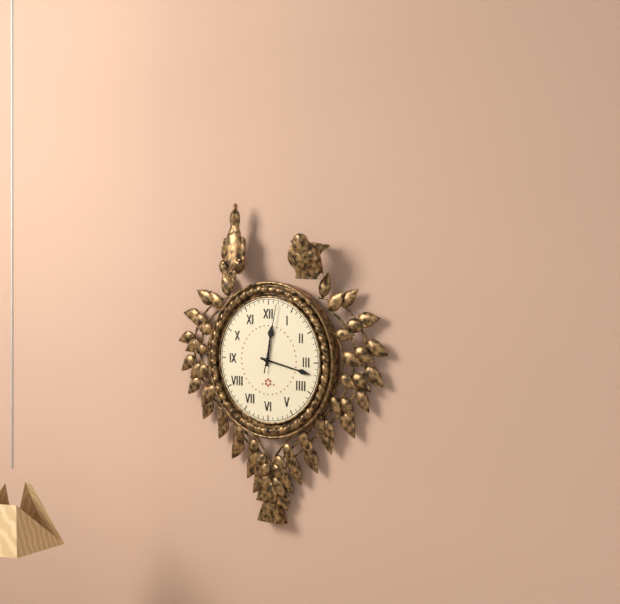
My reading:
h=12 m=17 s=2
